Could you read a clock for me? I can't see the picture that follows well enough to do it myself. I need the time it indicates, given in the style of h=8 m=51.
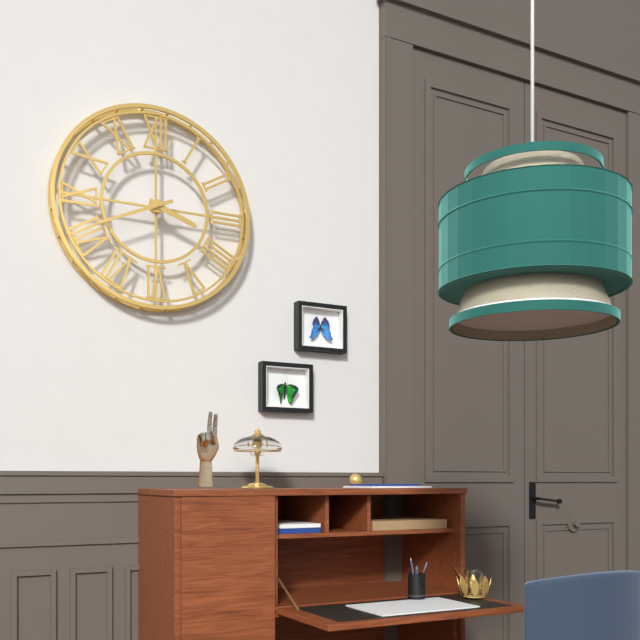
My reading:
h=3 m=41
